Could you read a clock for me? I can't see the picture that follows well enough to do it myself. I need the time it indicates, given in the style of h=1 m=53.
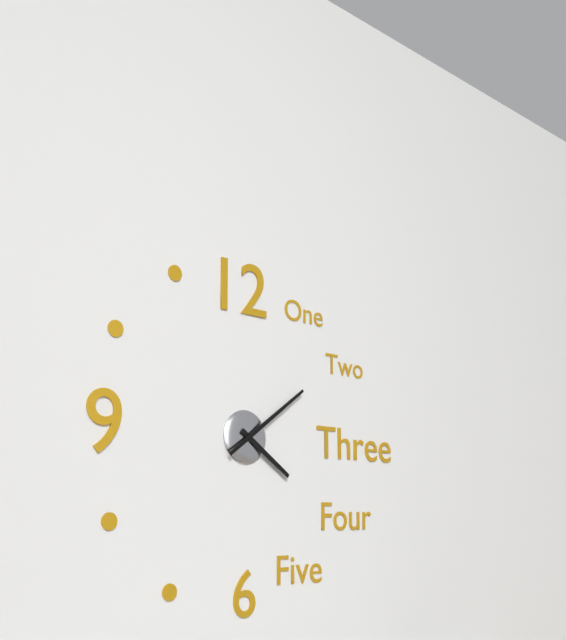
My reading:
h=4 m=9
